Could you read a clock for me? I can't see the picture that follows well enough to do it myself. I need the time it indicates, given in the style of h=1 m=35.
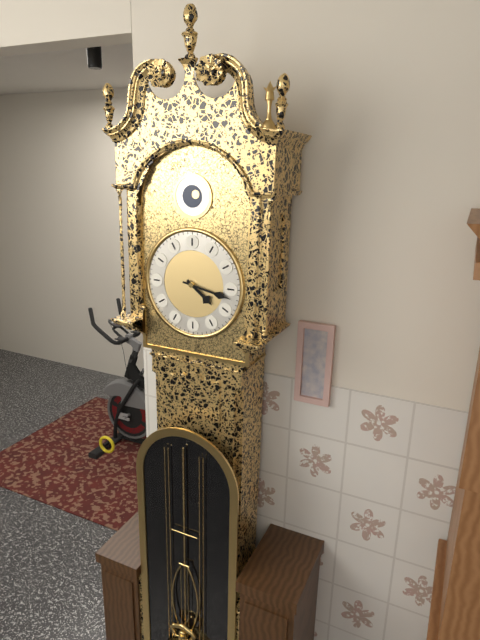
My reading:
h=4 m=17
